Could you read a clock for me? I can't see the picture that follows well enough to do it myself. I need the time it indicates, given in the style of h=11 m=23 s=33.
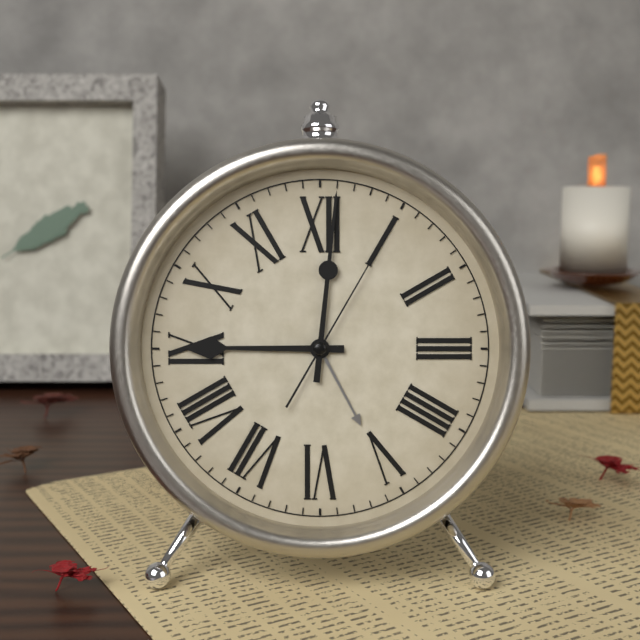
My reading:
h=9 m=1 s=5
